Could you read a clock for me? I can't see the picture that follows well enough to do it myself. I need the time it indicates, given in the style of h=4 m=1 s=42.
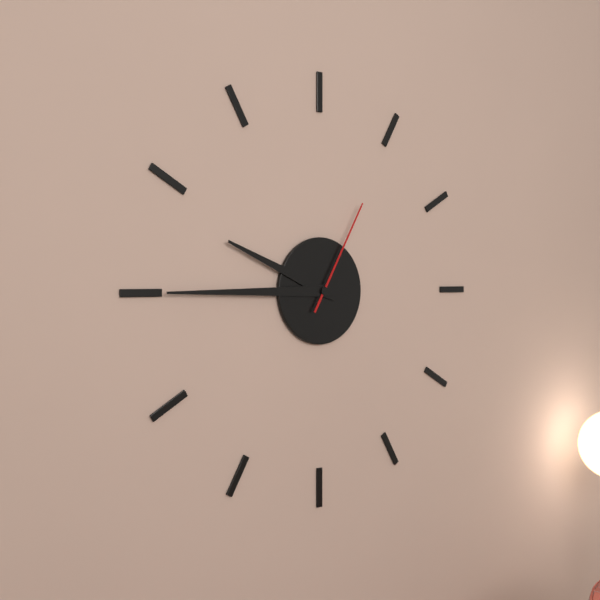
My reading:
h=9 m=45 s=5
